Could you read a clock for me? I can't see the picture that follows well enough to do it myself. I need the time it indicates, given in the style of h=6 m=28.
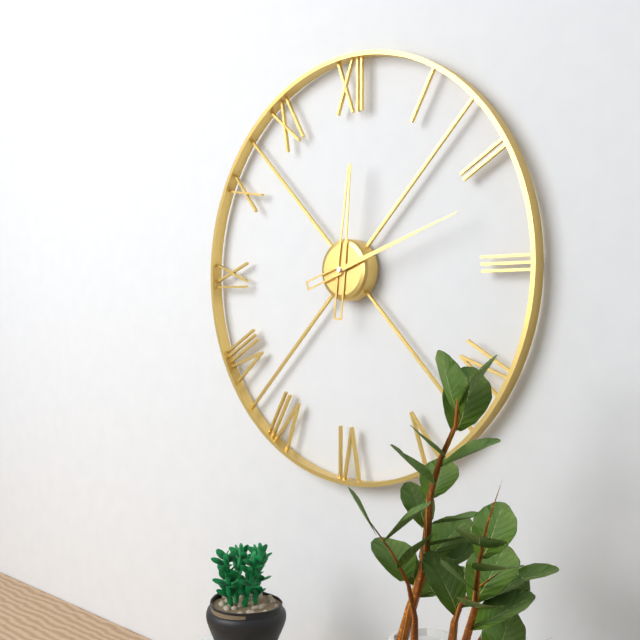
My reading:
h=12 m=12
